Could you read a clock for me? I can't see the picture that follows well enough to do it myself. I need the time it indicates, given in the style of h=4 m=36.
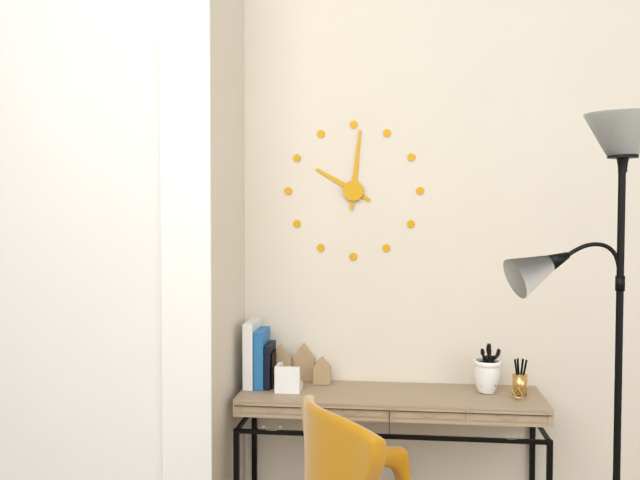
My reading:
h=10 m=1
